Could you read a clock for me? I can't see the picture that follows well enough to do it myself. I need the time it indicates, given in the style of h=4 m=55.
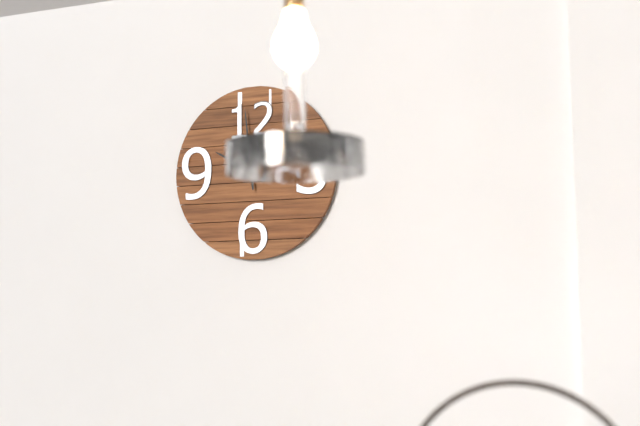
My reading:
h=9 m=59
